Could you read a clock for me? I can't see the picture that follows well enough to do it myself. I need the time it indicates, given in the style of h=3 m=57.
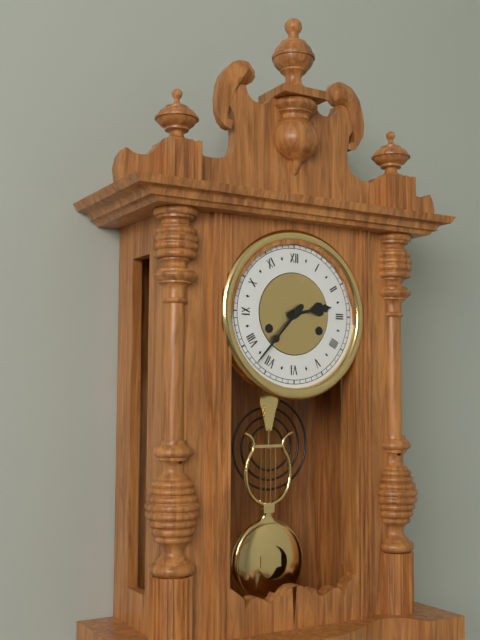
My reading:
h=2 m=37
